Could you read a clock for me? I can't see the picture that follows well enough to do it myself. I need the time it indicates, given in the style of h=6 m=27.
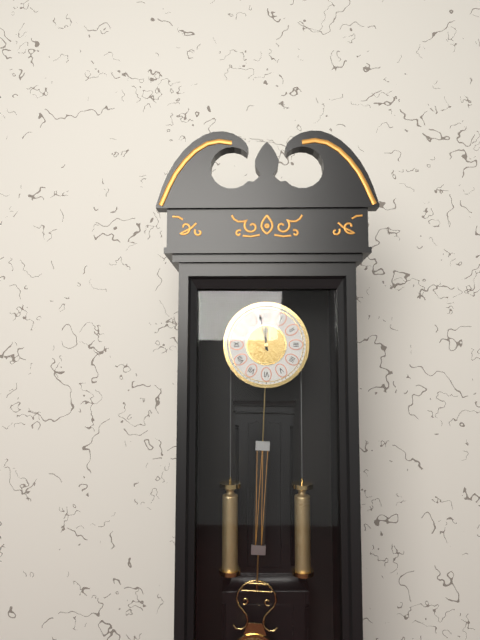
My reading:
h=11 m=58
